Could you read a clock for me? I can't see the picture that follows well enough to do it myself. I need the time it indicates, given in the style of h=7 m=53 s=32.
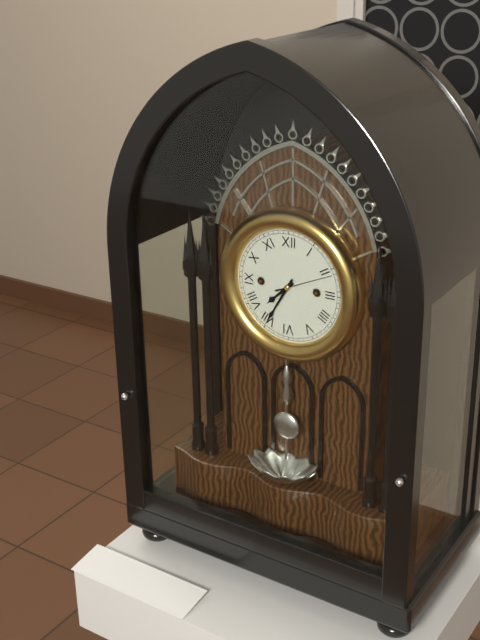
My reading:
h=7 m=35 s=11
